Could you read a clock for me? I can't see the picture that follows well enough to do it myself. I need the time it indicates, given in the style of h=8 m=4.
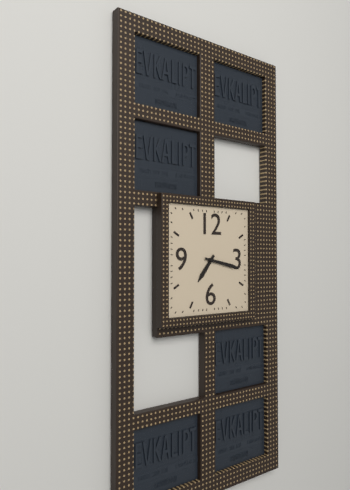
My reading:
h=7 m=17
